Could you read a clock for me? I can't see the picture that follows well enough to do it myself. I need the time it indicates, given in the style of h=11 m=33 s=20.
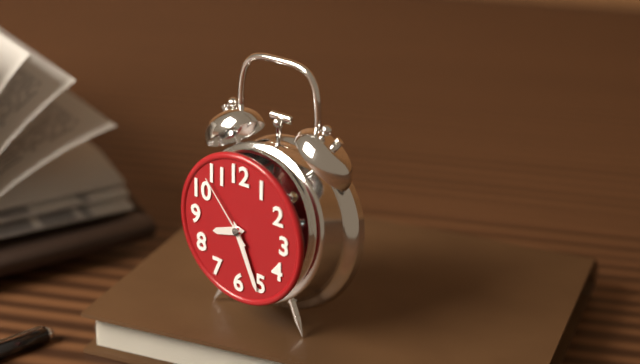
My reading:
h=8 m=26 s=53
